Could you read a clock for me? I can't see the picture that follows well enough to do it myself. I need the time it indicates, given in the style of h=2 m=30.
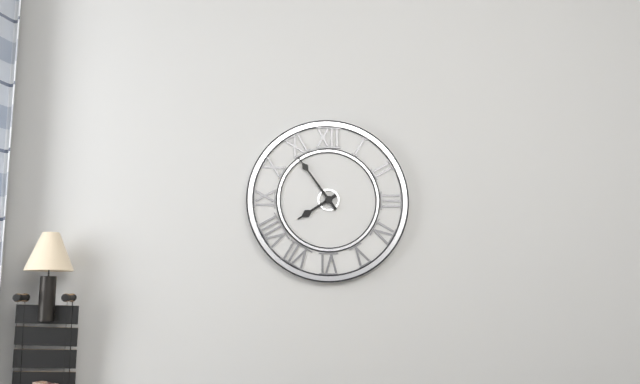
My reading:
h=7 m=54
